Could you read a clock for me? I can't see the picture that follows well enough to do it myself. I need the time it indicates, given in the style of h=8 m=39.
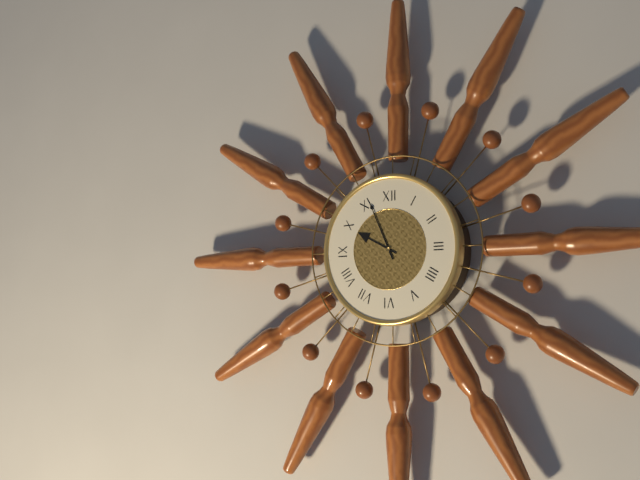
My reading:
h=9 m=56
